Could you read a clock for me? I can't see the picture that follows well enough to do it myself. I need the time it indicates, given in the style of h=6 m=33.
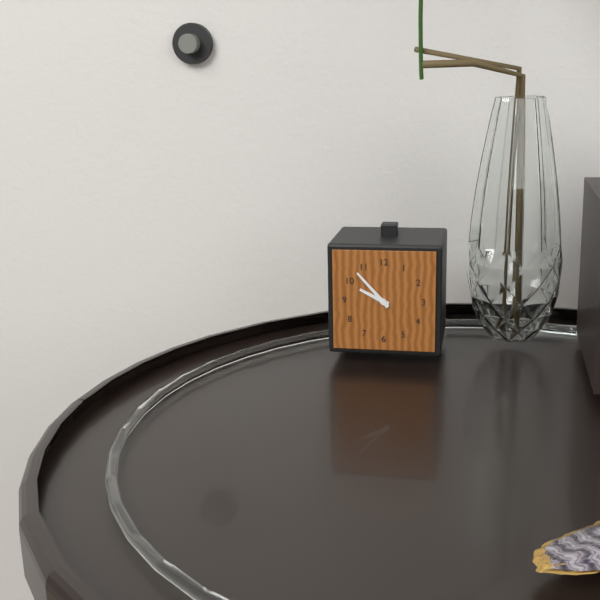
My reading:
h=9 m=53
